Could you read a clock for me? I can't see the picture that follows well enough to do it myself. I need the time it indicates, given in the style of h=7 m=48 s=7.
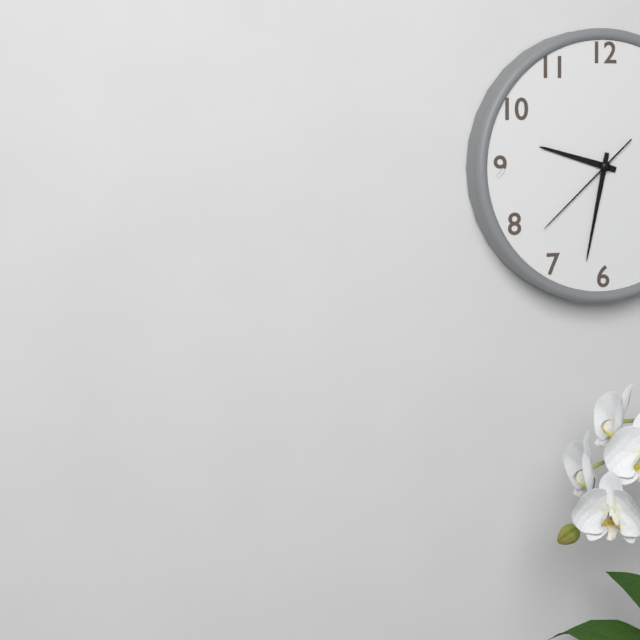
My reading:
h=9 m=32 s=38
